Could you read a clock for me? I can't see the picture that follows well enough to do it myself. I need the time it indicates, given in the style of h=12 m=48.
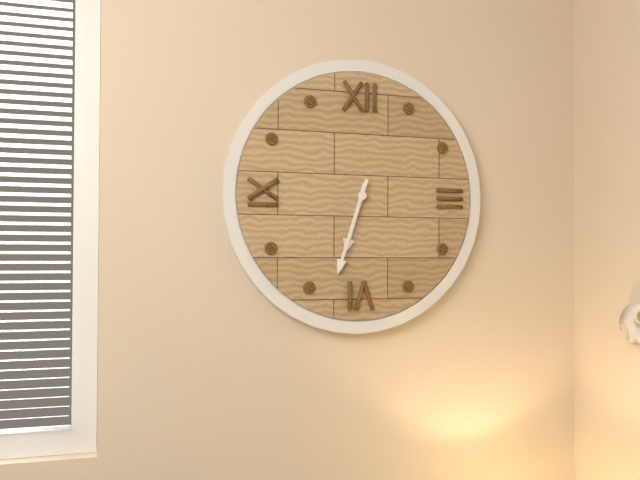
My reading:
h=6 m=33
